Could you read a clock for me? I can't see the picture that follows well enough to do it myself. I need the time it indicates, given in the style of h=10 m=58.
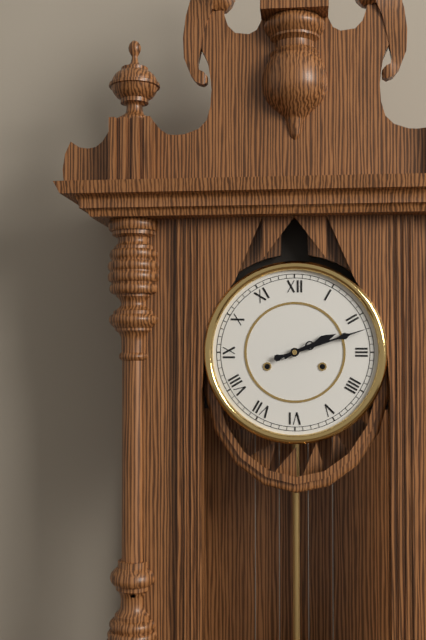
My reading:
h=2 m=12
